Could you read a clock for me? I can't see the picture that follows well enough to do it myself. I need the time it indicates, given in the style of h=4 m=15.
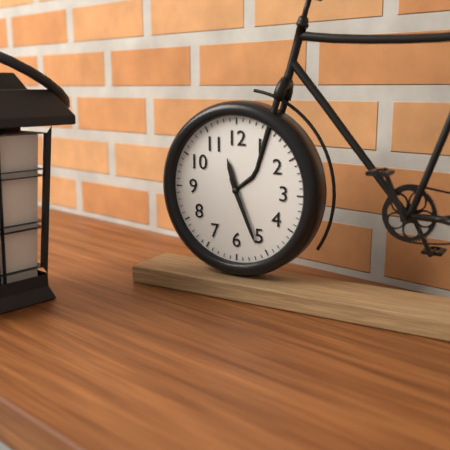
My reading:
h=11 m=26
